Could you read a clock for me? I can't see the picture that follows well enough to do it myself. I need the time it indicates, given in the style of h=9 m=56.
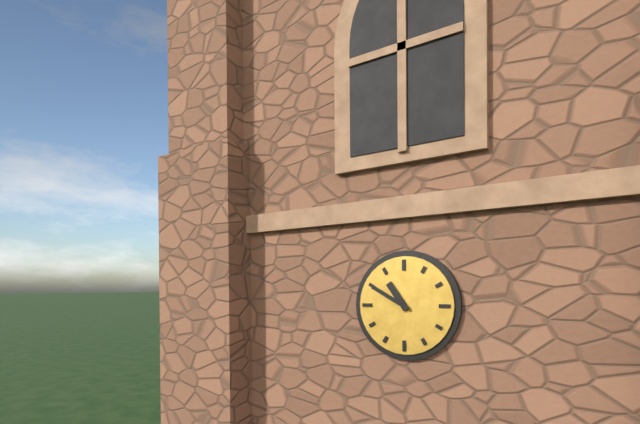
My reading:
h=10 m=50
